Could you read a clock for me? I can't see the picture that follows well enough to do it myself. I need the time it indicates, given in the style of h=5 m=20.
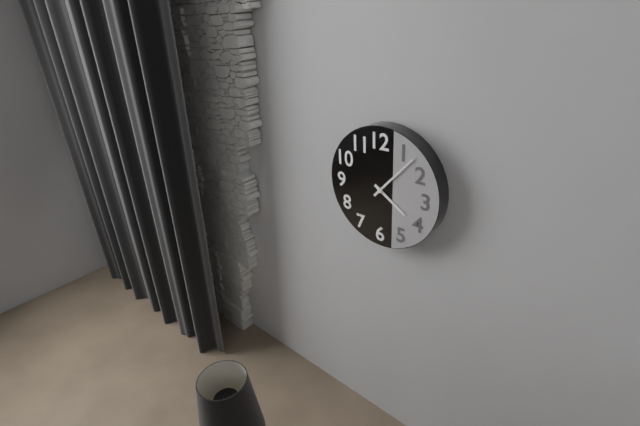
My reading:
h=4 m=7
